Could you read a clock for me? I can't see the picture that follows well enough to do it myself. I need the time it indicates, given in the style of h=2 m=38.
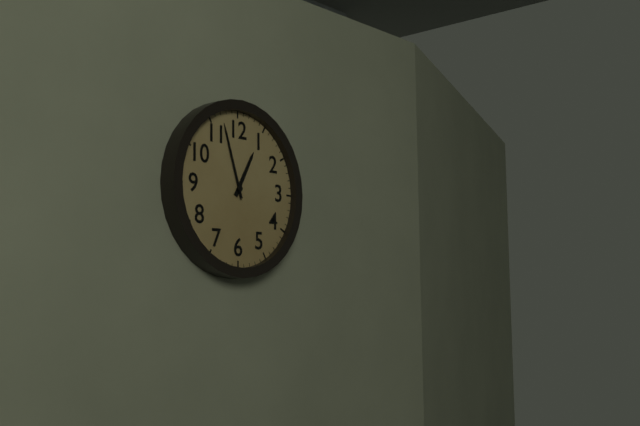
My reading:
h=12 m=57
